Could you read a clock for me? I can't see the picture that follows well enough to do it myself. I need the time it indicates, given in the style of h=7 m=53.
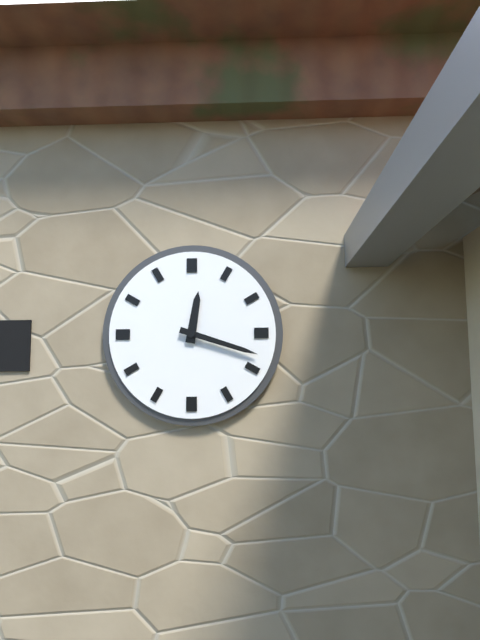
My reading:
h=12 m=18
